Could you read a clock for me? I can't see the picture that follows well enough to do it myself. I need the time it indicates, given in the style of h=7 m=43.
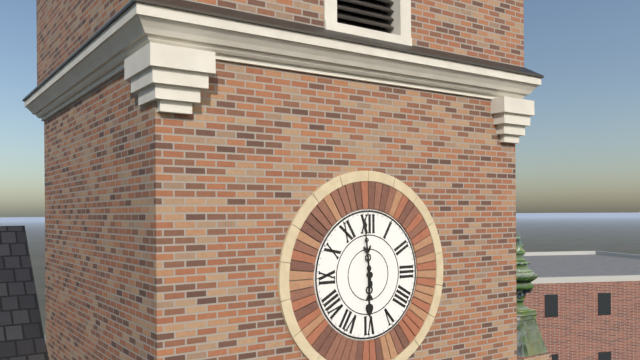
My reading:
h=5 m=59
